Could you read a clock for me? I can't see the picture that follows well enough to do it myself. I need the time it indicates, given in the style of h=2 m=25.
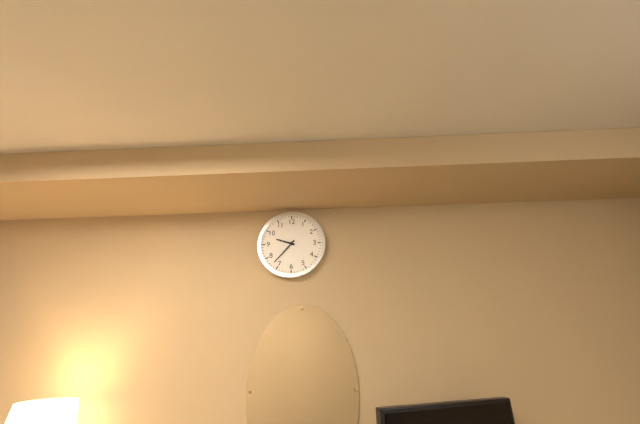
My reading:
h=9 m=37
